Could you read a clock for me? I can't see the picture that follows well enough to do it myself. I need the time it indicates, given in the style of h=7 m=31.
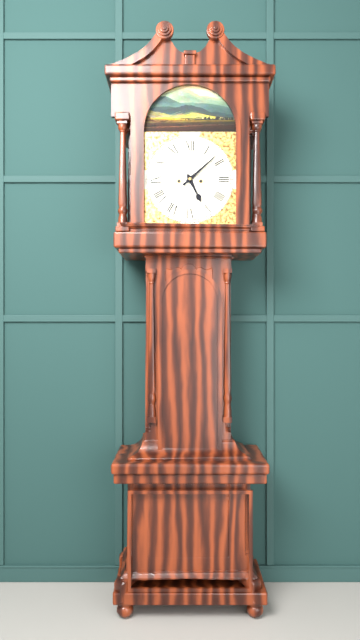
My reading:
h=5 m=8
